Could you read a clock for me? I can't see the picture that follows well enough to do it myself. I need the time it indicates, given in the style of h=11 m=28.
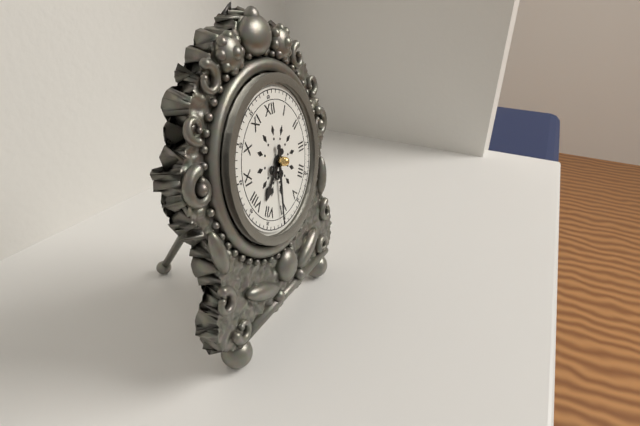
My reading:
h=7 m=31
